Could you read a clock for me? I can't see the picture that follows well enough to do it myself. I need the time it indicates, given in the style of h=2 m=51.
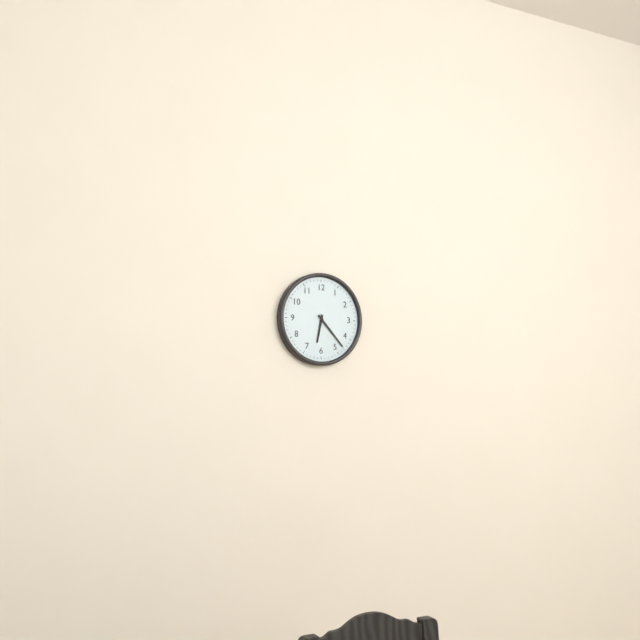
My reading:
h=6 m=23
